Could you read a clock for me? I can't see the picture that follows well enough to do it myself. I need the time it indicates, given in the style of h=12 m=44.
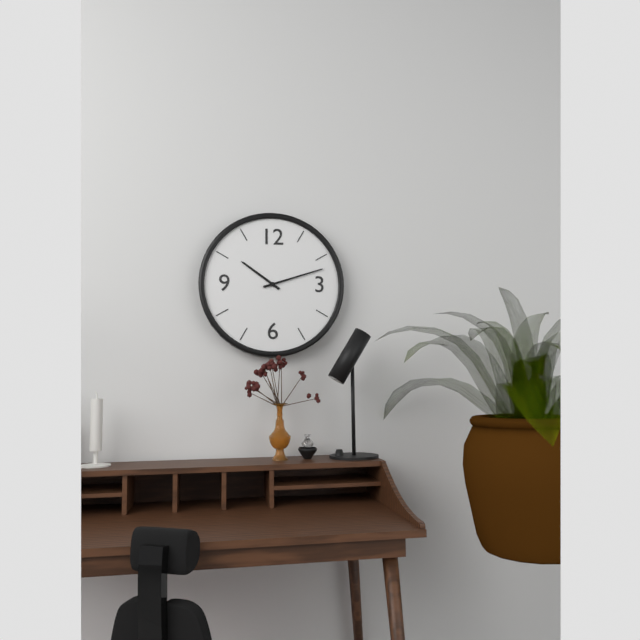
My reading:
h=10 m=12
